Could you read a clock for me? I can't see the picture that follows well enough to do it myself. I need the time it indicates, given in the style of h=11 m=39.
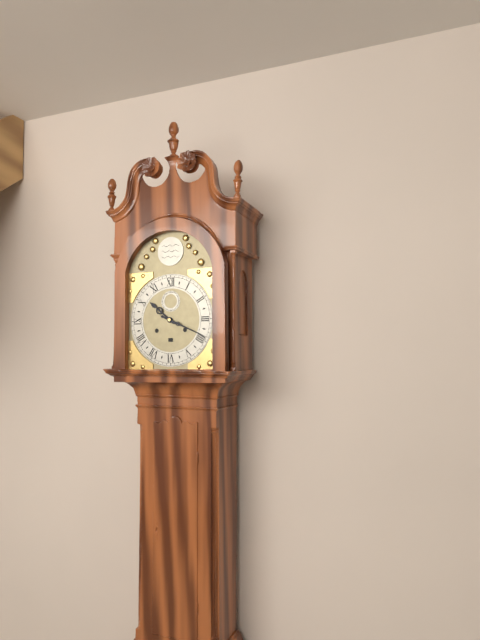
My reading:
h=10 m=19
